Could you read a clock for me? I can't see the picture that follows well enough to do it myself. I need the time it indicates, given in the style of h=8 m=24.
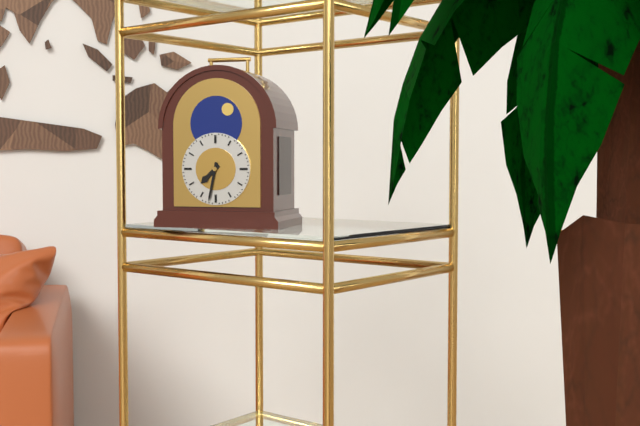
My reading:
h=7 m=32
